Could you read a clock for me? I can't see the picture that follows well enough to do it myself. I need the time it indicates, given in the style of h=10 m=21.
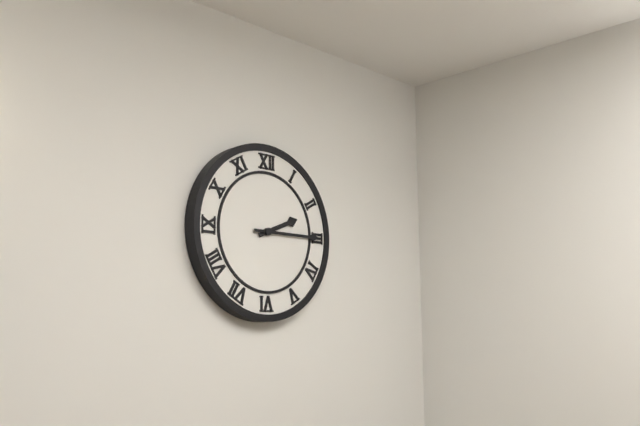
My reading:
h=2 m=15
